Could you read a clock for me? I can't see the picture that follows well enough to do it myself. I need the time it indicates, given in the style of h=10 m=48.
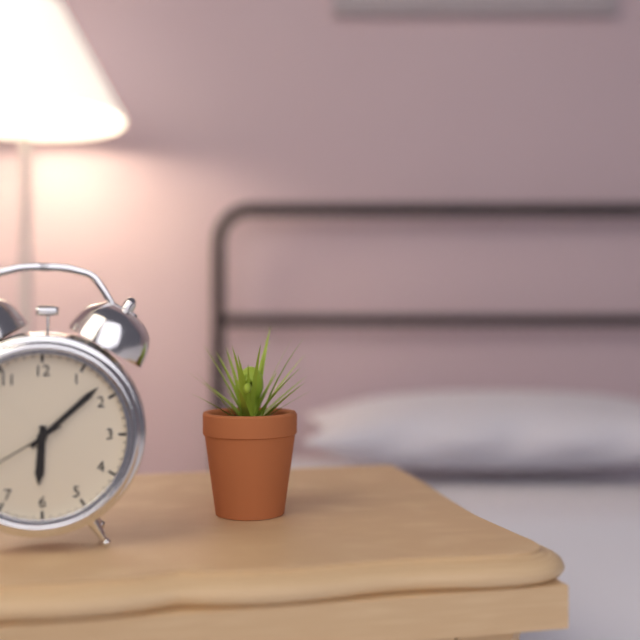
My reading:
h=6 m=8
